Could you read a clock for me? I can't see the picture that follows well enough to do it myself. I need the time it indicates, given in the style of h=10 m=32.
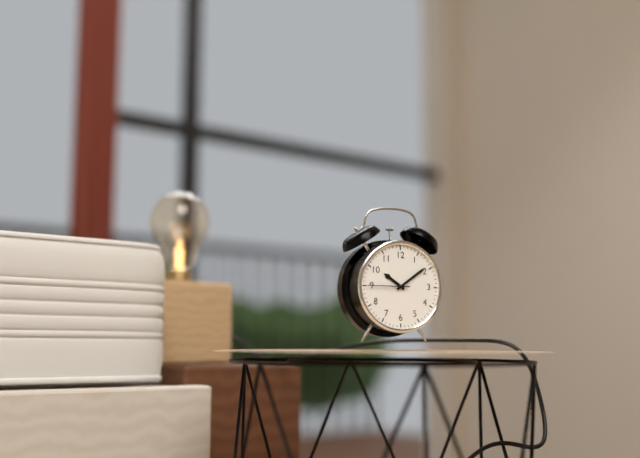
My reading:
h=10 m=9
